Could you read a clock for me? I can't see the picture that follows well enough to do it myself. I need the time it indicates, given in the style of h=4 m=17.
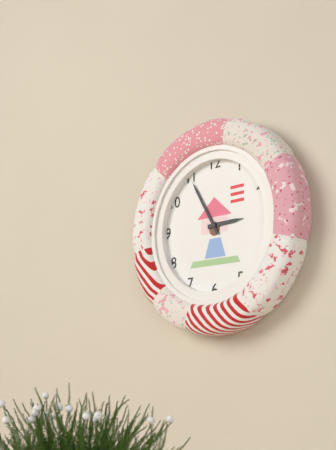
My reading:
h=2 m=55
